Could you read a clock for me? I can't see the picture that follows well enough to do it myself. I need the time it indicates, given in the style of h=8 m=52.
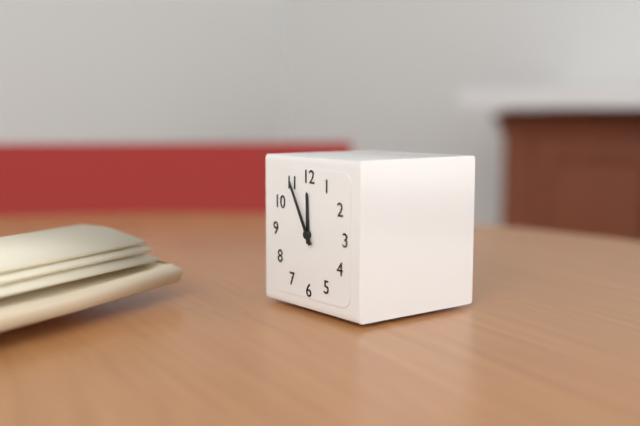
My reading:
h=11 m=55
